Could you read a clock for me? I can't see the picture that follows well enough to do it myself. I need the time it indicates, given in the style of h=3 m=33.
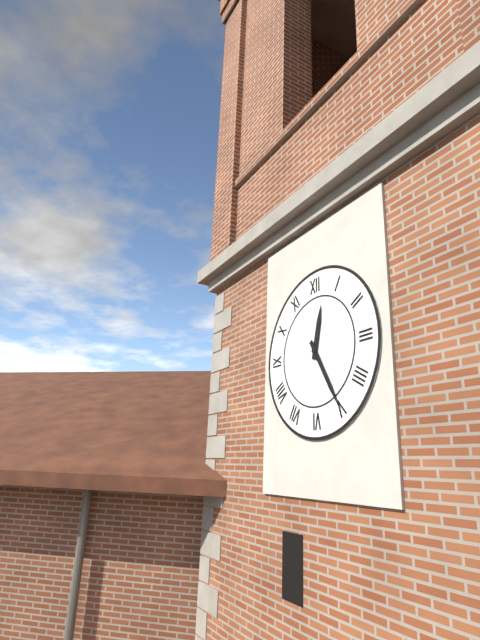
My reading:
h=12 m=25
